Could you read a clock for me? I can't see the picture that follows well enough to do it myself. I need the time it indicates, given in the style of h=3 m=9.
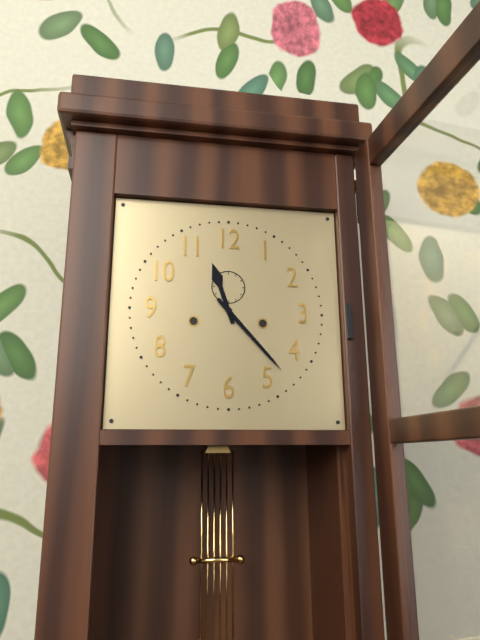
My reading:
h=11 m=23
